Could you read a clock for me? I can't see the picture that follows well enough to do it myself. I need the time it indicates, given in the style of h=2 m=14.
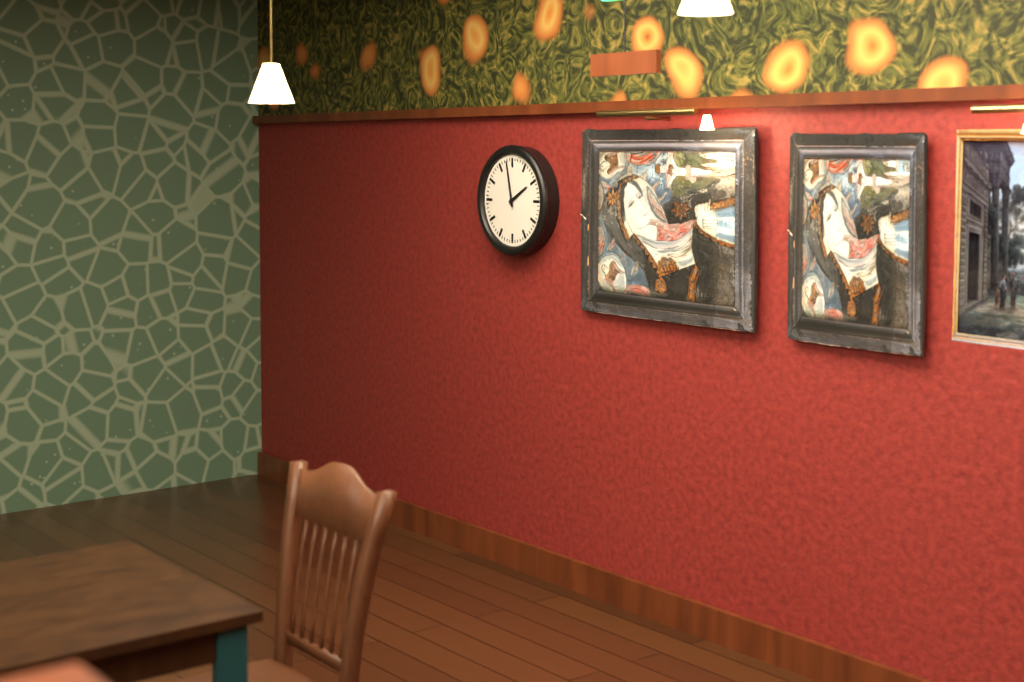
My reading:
h=1 m=58
